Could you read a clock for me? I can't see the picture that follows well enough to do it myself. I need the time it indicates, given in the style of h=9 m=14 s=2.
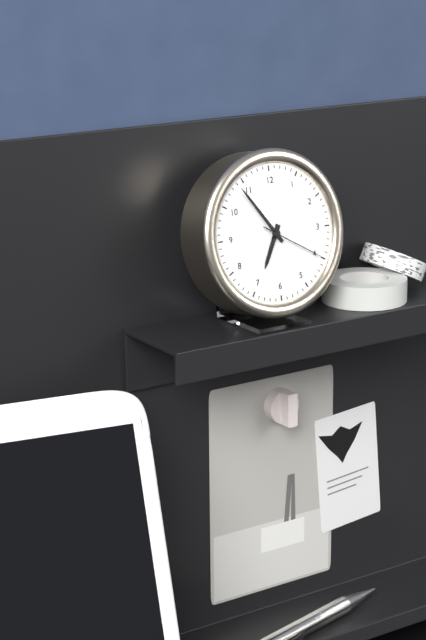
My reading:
h=6 m=54 s=20
